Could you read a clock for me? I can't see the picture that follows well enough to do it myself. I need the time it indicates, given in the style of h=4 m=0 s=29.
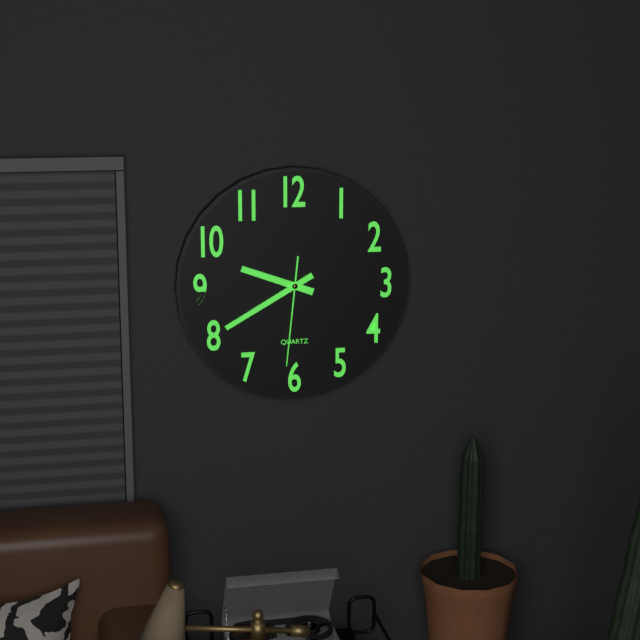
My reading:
h=9 m=40 s=31
